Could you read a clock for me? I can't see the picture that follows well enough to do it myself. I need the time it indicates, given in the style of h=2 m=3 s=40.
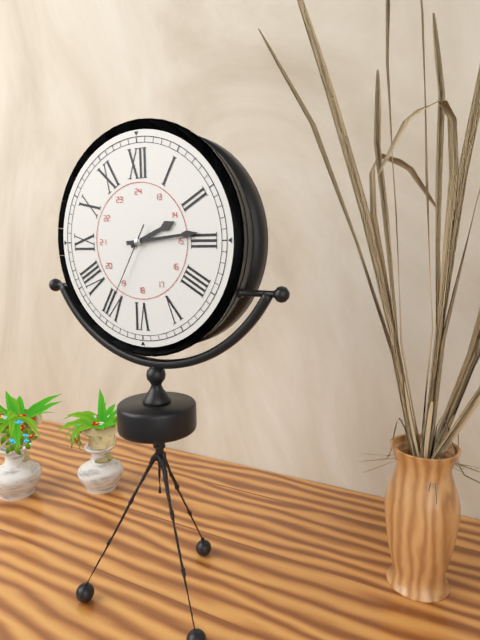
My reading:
h=2 m=14 s=35
